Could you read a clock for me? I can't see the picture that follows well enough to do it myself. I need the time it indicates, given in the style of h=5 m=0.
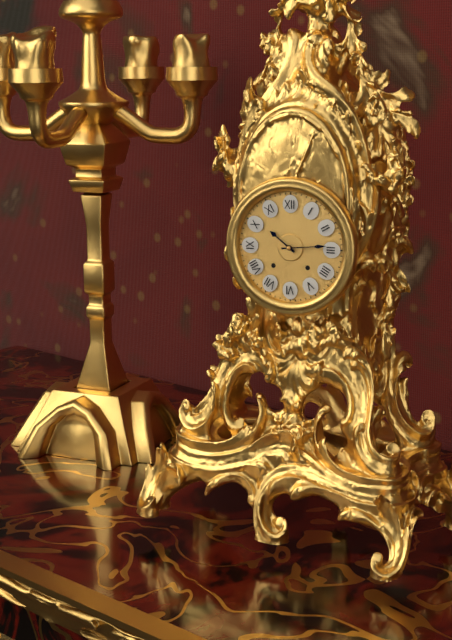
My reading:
h=10 m=14
